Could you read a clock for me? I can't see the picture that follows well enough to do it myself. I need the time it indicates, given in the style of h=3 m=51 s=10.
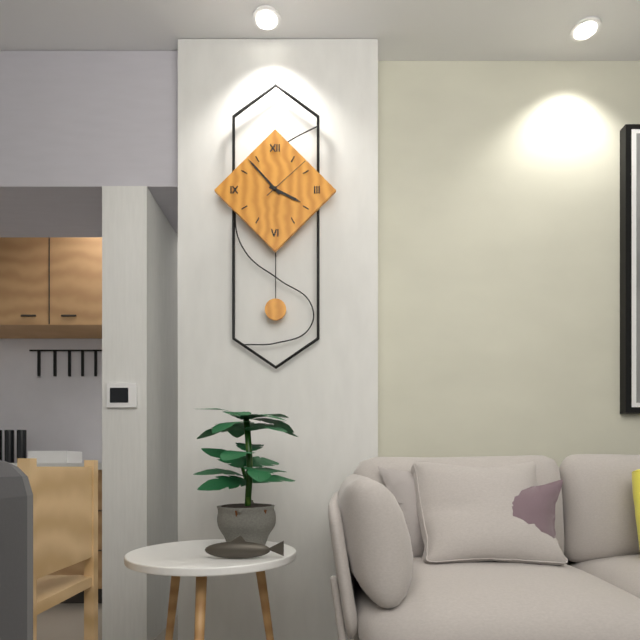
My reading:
h=3 m=53 s=8
